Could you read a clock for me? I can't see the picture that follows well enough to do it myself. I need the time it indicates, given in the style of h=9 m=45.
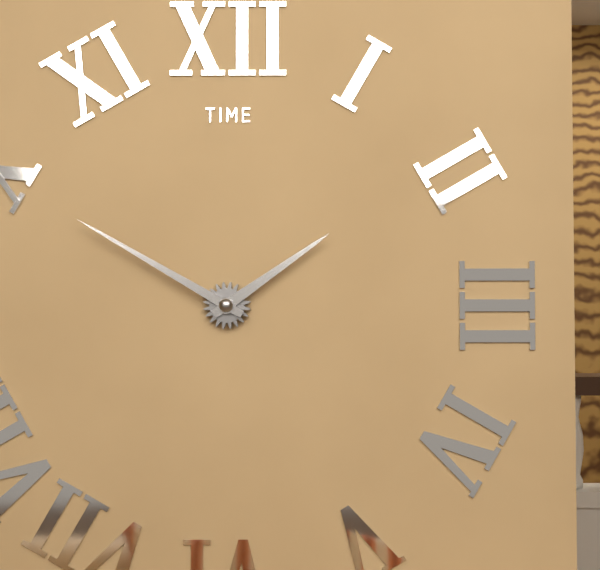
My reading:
h=1 m=50
